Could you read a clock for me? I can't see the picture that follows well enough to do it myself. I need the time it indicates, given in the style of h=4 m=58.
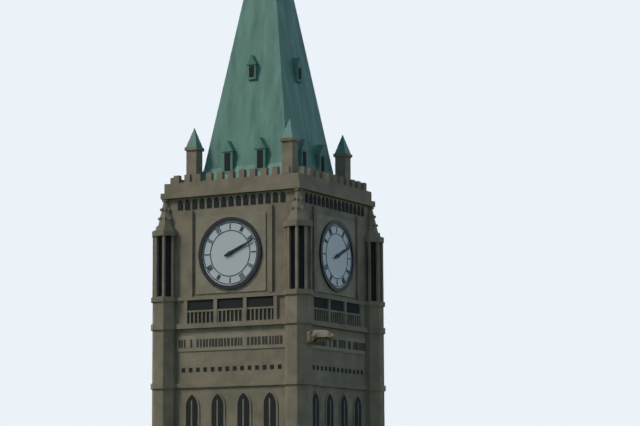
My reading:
h=2 m=11
